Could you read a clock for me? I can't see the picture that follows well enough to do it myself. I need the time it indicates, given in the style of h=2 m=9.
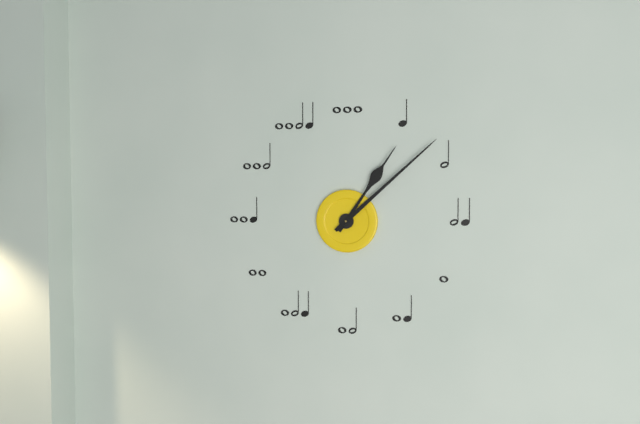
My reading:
h=1 m=8
